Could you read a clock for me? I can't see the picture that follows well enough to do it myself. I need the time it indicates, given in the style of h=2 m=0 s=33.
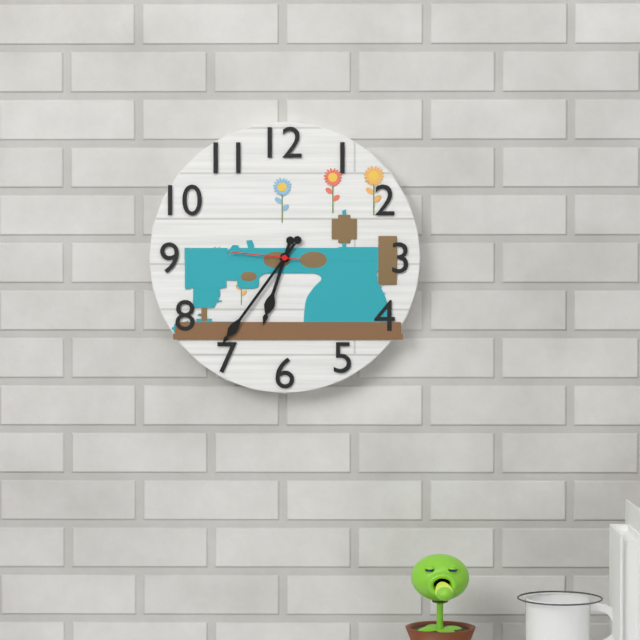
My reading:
h=6 m=36 s=46
